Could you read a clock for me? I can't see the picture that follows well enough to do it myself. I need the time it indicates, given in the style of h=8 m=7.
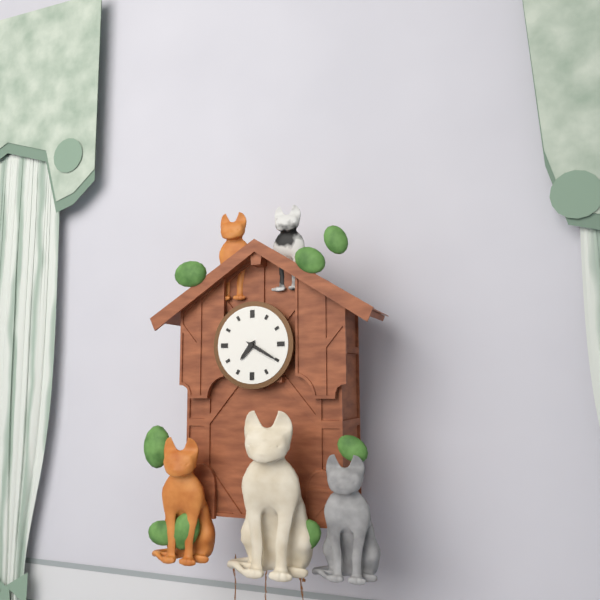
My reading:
h=7 m=20
